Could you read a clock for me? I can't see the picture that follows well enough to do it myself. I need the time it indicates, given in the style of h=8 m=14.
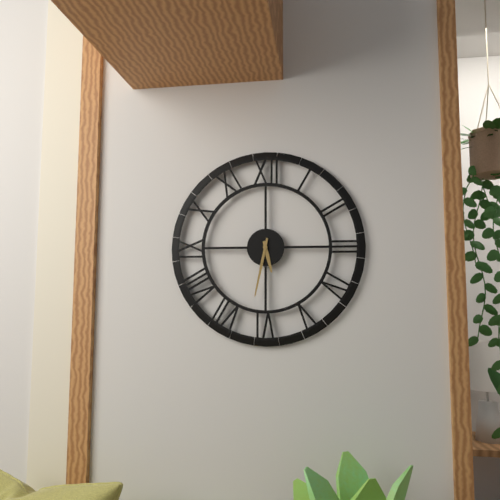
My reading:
h=5 m=32
